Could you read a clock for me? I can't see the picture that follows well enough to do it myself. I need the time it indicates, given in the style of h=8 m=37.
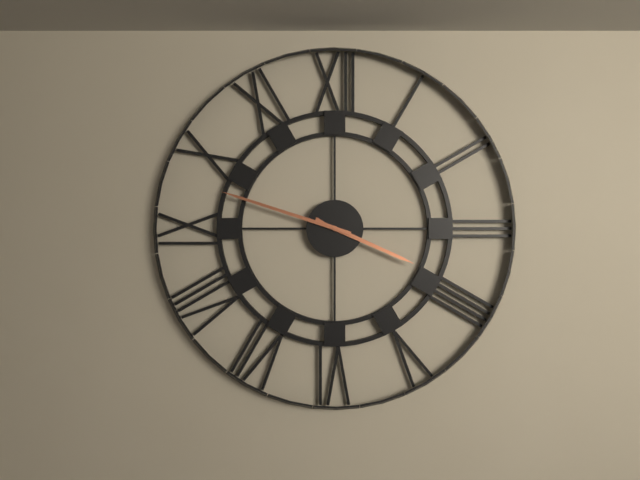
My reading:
h=3 m=48
